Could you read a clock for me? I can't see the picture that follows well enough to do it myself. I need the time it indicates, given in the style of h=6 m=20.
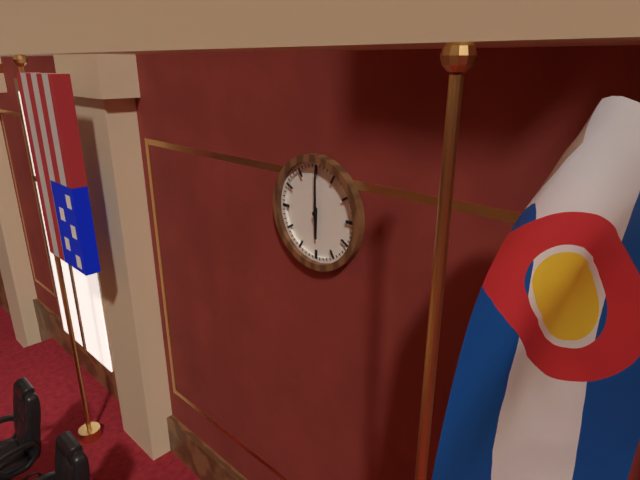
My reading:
h=6 m=0
